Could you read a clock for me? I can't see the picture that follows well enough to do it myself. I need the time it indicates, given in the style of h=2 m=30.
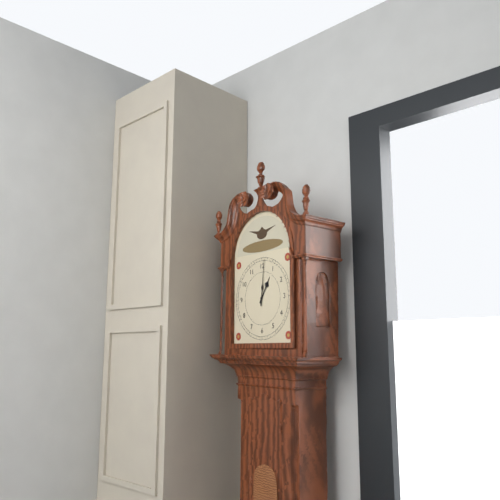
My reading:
h=1 m=1
